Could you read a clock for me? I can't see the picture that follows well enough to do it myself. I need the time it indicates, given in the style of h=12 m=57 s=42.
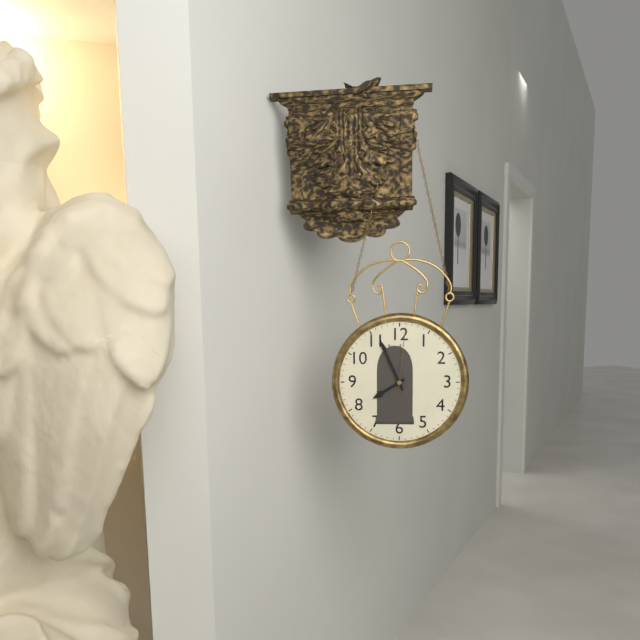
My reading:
h=7 m=56 s=1
